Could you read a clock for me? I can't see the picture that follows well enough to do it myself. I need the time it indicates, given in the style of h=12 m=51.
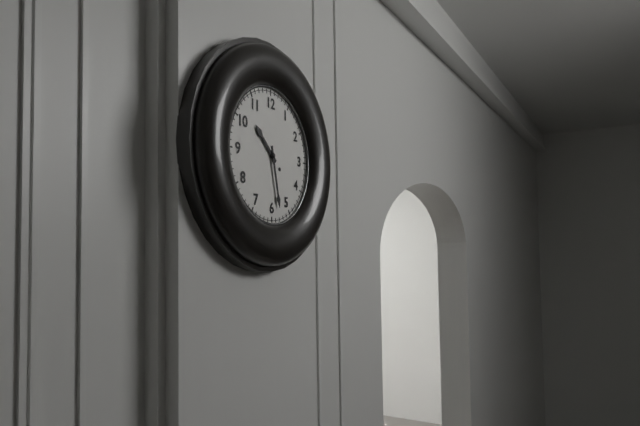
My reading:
h=10 m=28
